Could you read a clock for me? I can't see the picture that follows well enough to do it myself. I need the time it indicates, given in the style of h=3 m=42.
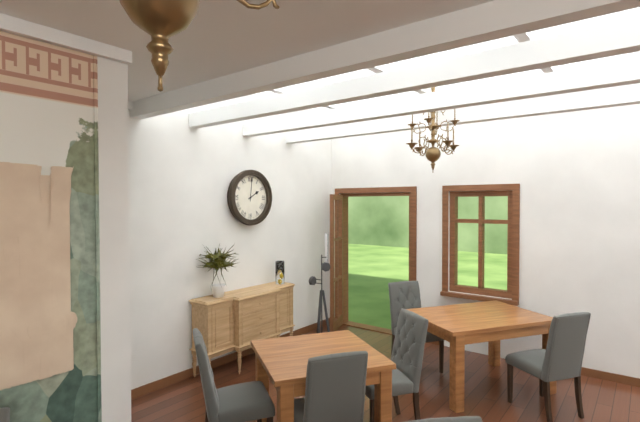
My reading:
h=2 m=1
